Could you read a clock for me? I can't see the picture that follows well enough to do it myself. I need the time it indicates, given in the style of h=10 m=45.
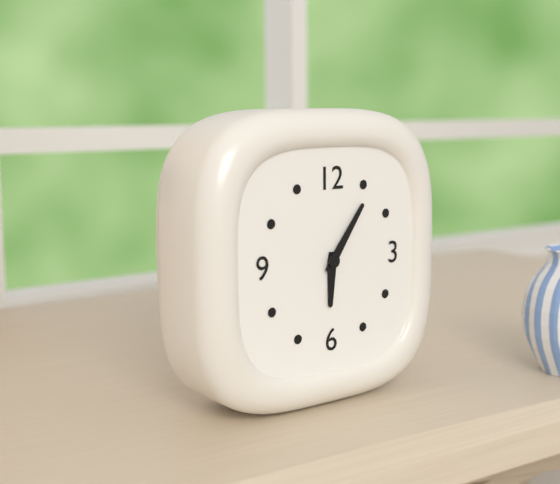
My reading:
h=6 m=6
